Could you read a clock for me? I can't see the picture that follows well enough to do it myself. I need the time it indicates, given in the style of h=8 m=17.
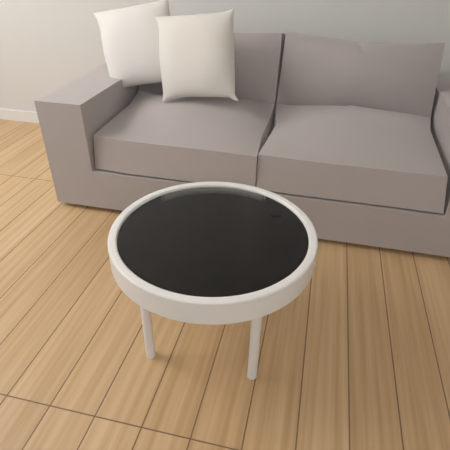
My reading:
h=4 m=23
